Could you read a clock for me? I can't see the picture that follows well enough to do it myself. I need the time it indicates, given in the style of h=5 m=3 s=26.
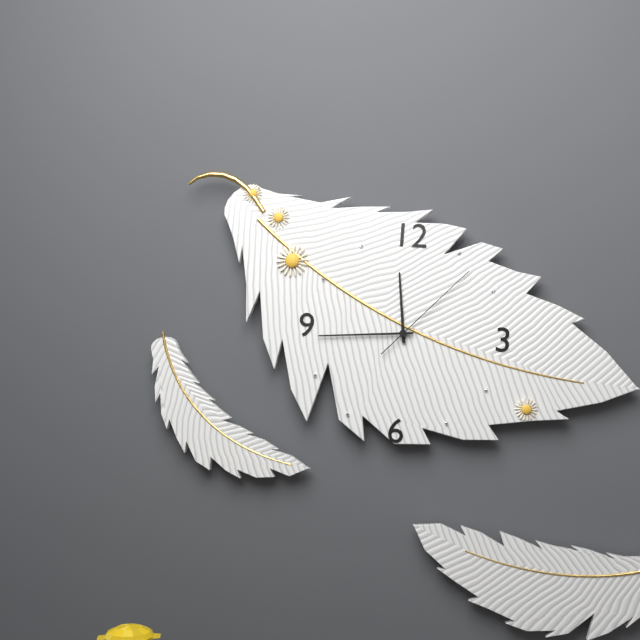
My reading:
h=11 m=44 s=7
